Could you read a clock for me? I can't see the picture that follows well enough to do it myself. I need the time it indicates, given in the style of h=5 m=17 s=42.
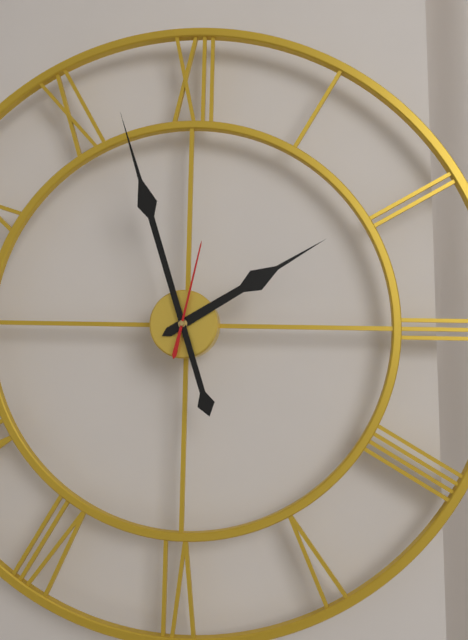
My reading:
h=1 m=57 s=2
